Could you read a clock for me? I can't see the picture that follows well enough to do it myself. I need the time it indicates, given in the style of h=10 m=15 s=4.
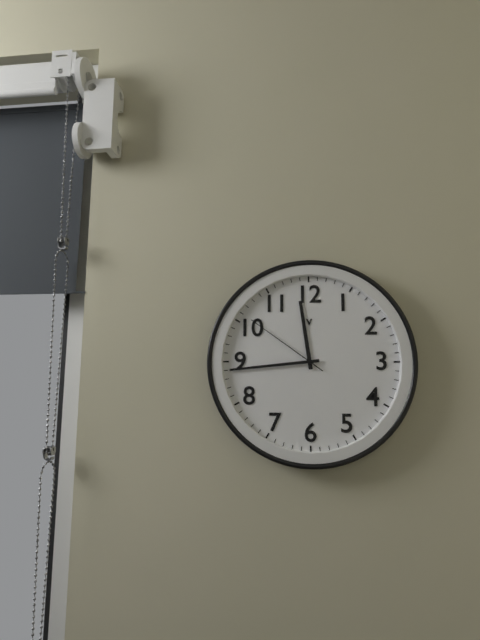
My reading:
h=11 m=44 s=51
